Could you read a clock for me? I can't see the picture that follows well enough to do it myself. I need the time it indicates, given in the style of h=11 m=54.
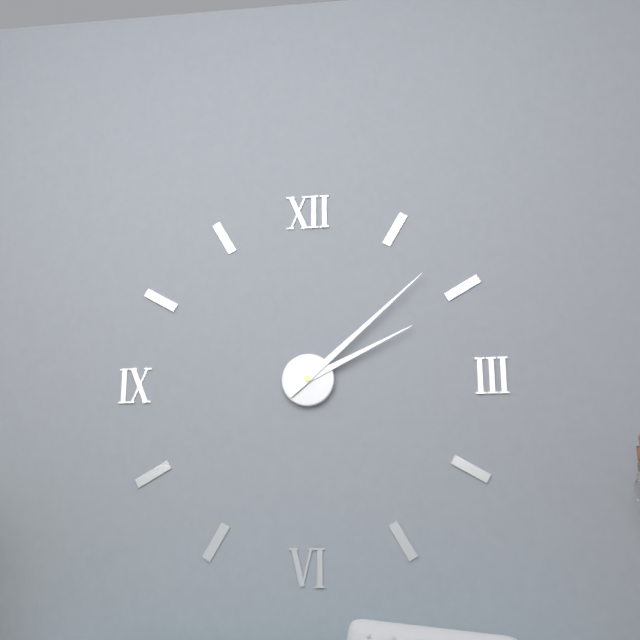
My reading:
h=2 m=8
